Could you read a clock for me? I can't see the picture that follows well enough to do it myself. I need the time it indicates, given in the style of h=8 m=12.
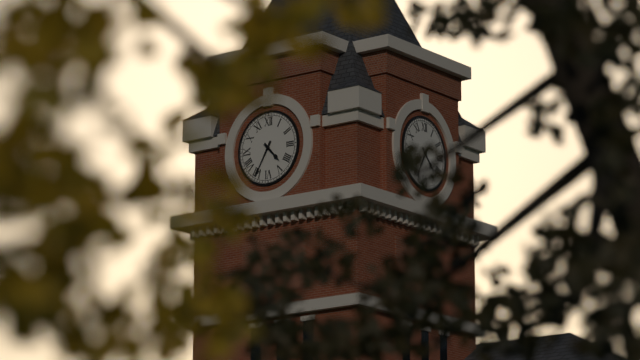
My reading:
h=4 m=35
